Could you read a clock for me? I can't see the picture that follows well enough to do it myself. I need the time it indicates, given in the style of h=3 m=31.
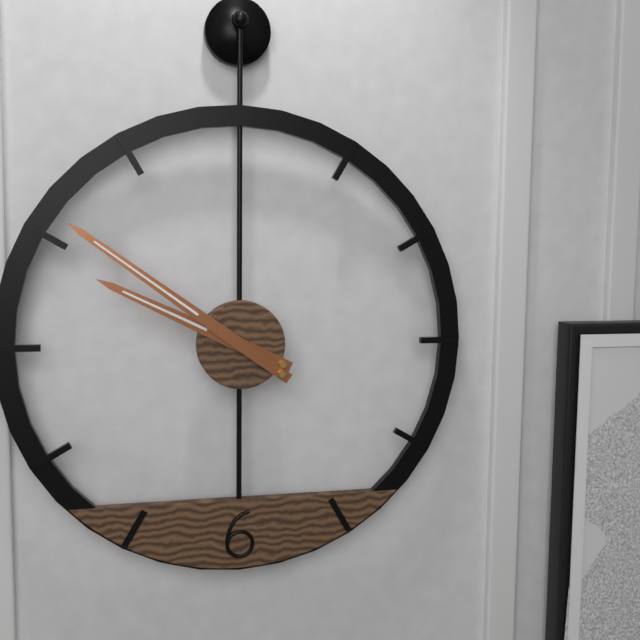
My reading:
h=9 m=51
